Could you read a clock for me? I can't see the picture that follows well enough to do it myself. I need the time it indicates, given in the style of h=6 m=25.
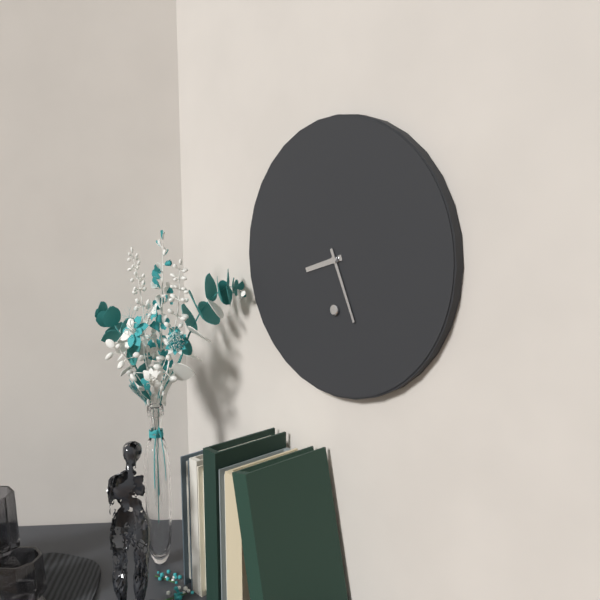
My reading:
h=8 m=26
